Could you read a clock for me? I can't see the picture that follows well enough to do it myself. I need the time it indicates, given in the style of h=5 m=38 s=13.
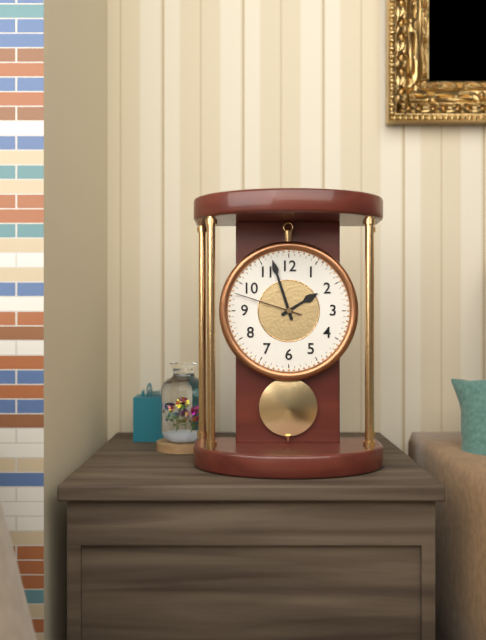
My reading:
h=1 m=57 s=48
